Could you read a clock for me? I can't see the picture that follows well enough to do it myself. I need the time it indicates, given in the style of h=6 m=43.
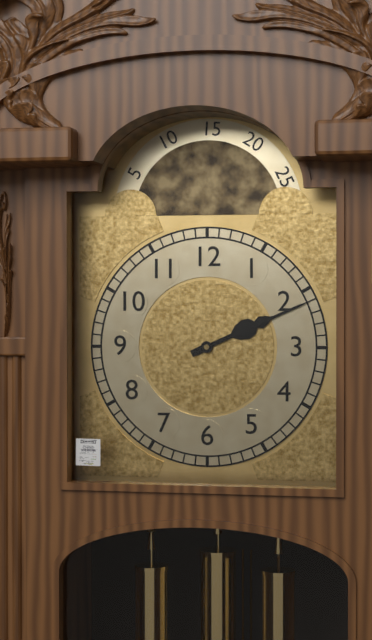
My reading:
h=2 m=11
